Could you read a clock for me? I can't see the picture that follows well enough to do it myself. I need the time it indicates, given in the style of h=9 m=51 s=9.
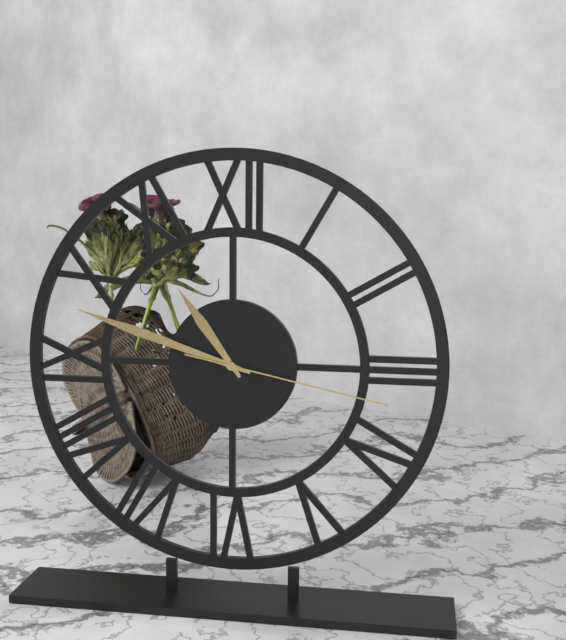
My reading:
h=10 m=48 s=17
